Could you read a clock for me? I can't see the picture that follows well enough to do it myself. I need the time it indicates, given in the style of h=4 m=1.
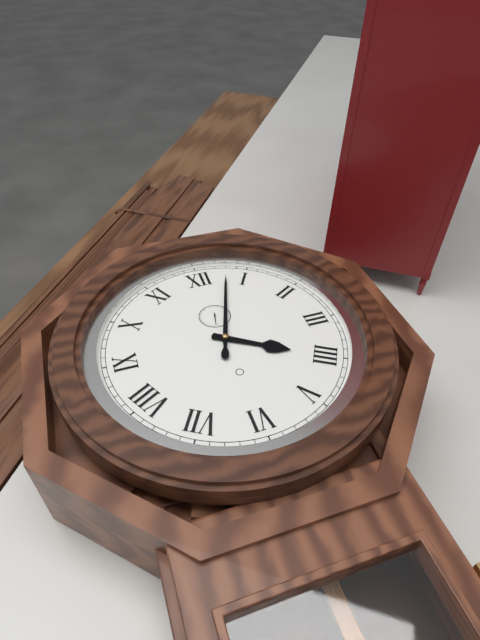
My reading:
h=4 m=3
